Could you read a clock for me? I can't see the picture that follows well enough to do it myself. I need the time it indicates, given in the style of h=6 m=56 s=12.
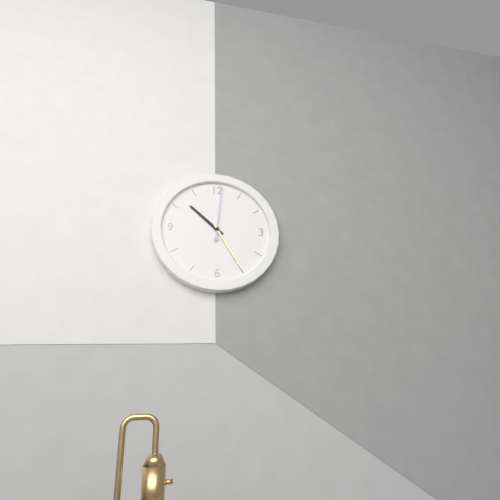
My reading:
h=10 m=25 s=1
